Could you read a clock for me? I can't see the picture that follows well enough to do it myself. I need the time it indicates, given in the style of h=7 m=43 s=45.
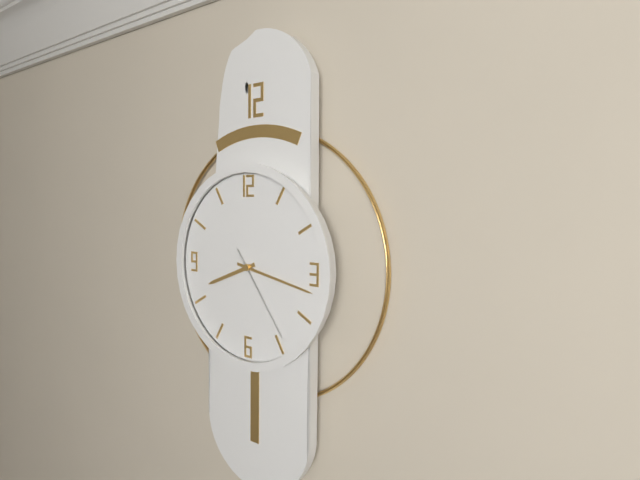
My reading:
h=8 m=17 s=24
